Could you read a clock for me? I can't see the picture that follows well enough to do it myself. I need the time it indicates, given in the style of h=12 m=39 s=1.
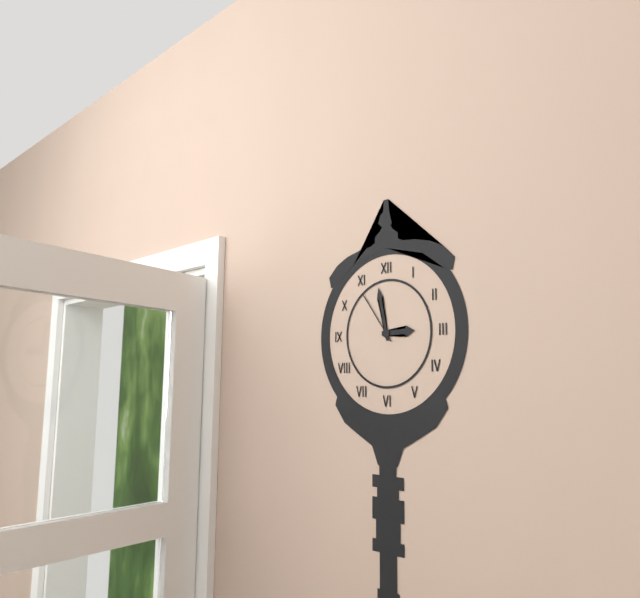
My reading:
h=2 m=58 s=54
